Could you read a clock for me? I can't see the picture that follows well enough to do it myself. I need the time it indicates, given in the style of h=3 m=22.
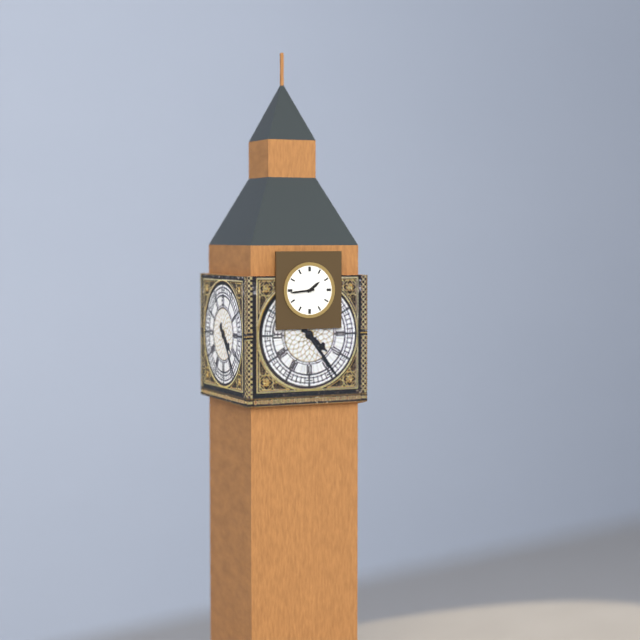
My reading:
h=1 m=44
